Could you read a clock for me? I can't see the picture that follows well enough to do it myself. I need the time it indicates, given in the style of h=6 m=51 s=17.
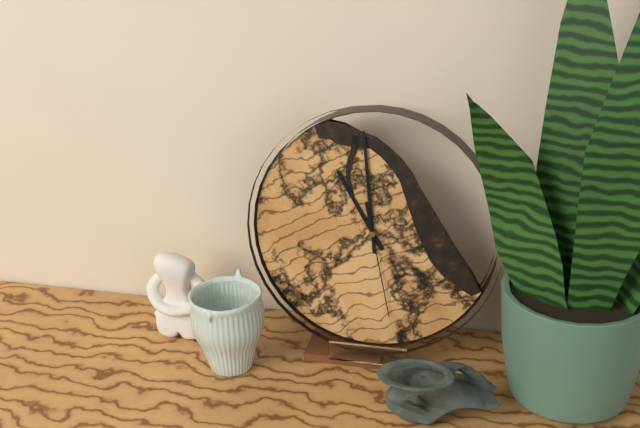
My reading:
h=10 m=59 s=28
